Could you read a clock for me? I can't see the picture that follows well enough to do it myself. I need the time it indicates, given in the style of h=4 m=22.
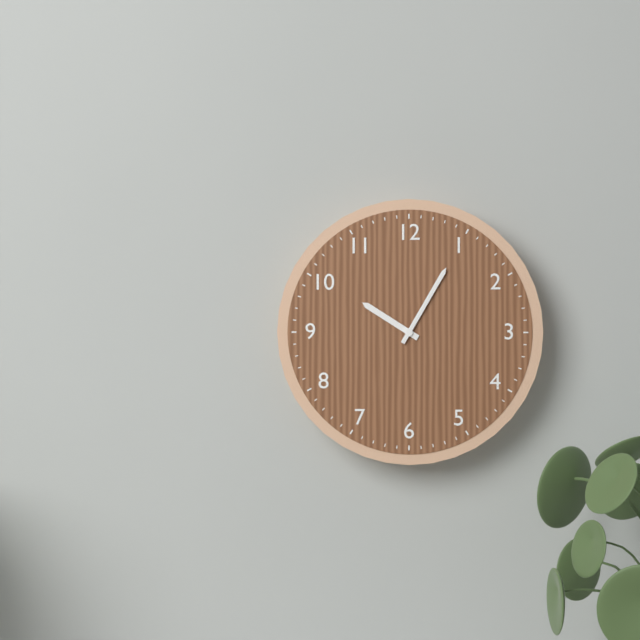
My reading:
h=10 m=5
